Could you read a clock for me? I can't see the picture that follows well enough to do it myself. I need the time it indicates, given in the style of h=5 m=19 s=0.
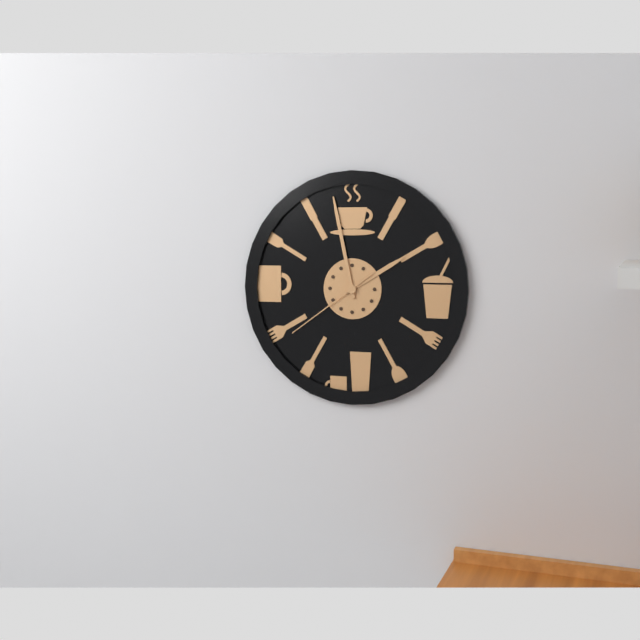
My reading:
h=1 m=58 s=39
